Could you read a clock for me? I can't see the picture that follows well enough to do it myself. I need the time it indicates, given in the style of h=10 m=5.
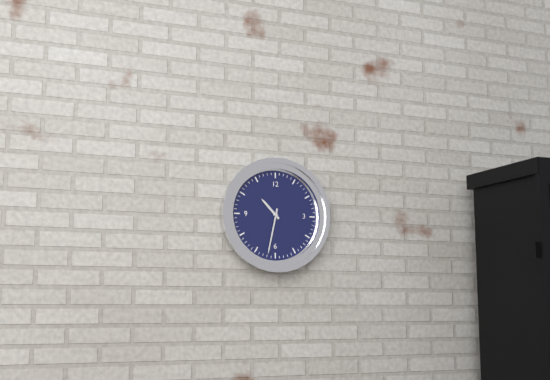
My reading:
h=10 m=32
